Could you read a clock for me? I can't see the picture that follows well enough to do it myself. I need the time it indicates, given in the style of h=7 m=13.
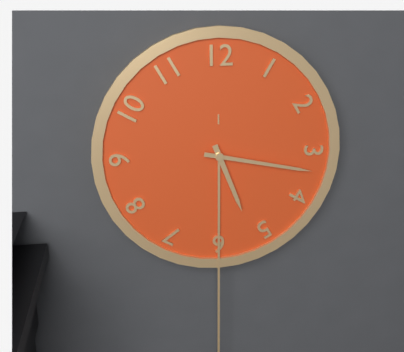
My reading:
h=5 m=17
